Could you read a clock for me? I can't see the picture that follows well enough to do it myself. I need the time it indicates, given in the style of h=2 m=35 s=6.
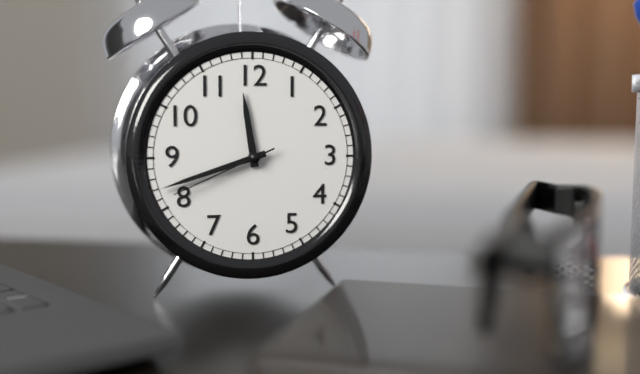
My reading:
h=11 m=42 s=41
